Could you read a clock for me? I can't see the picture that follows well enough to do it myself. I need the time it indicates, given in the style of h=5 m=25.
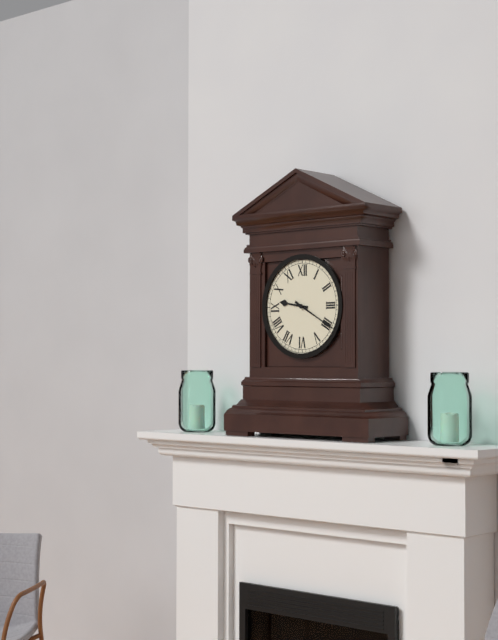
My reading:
h=9 m=20
